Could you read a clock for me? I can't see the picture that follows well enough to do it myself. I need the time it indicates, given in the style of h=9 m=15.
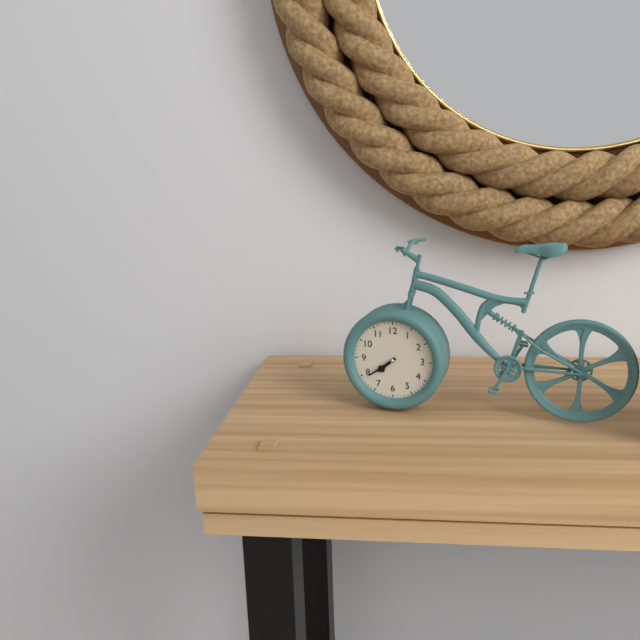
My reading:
h=7 m=39
